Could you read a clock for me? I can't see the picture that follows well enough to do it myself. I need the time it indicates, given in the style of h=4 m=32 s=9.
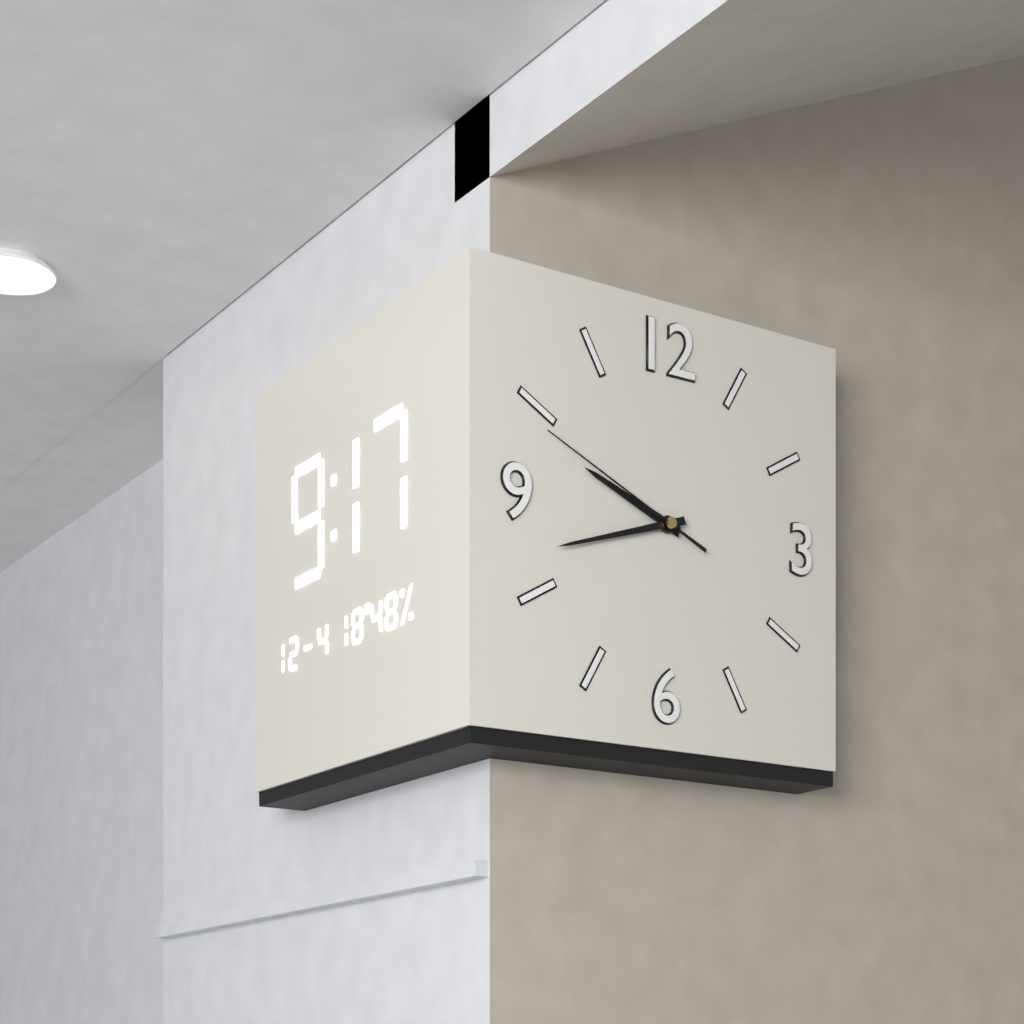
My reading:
h=9 m=42 s=49
